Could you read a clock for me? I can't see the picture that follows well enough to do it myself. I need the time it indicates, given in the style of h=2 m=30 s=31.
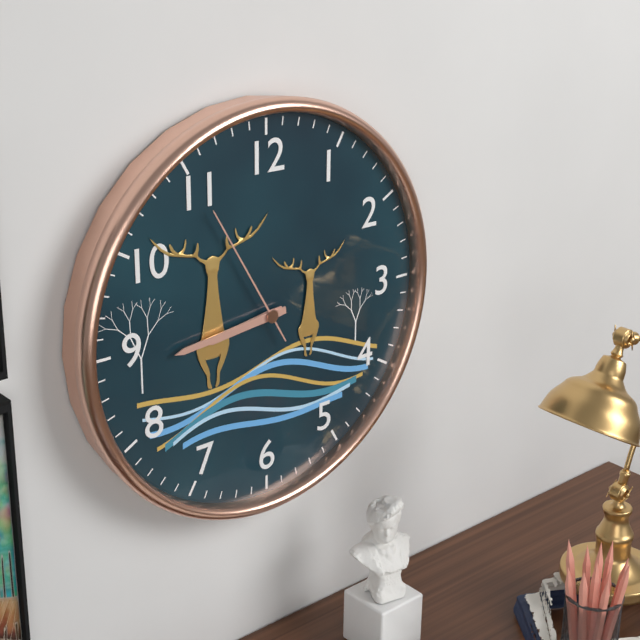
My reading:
h=8 m=44 s=55
